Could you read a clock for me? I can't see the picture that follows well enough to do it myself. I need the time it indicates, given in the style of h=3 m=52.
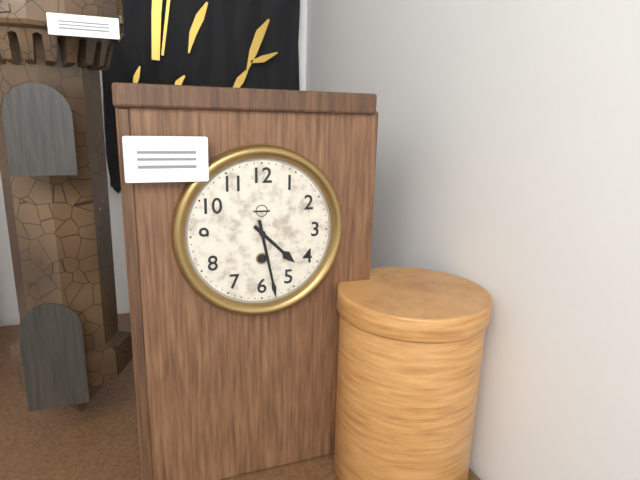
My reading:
h=4 m=28
